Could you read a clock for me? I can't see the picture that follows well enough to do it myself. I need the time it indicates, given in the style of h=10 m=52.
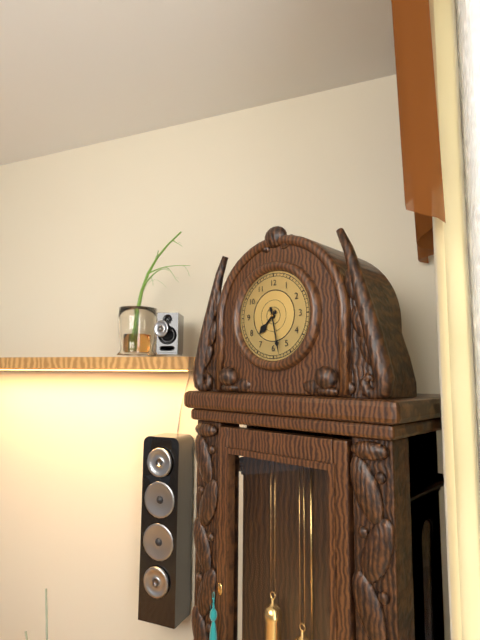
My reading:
h=7 m=28
